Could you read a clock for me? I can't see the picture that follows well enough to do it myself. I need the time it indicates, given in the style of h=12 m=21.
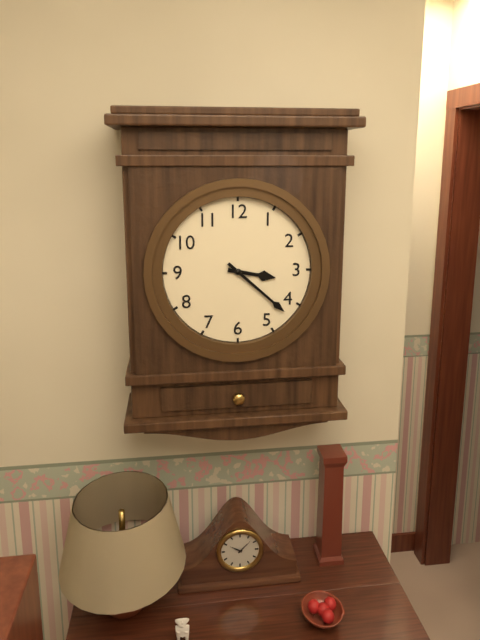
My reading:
h=3 m=22
